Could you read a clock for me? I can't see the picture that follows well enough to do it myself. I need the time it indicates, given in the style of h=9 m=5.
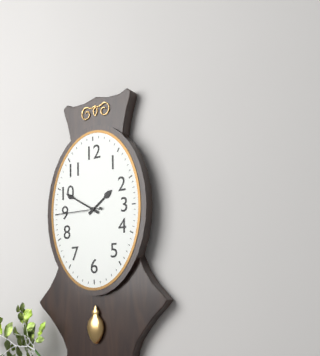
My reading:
h=1 m=50
